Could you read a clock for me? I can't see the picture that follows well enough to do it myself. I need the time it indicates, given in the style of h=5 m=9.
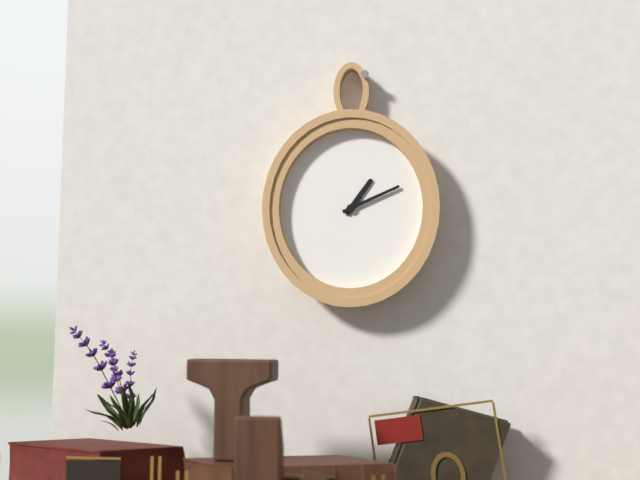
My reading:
h=1 m=11
